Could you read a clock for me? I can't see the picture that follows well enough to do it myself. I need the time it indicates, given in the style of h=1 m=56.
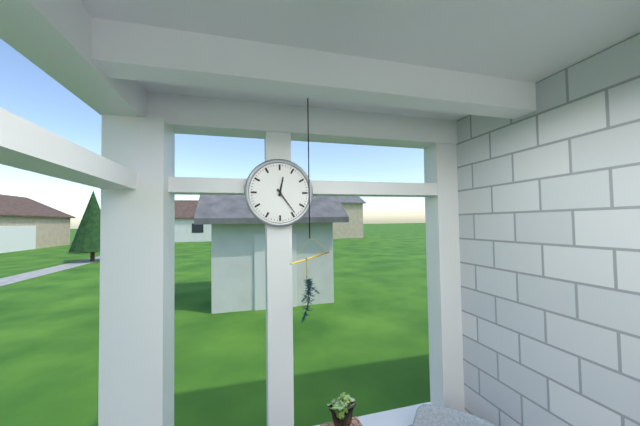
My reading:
h=12 m=24
